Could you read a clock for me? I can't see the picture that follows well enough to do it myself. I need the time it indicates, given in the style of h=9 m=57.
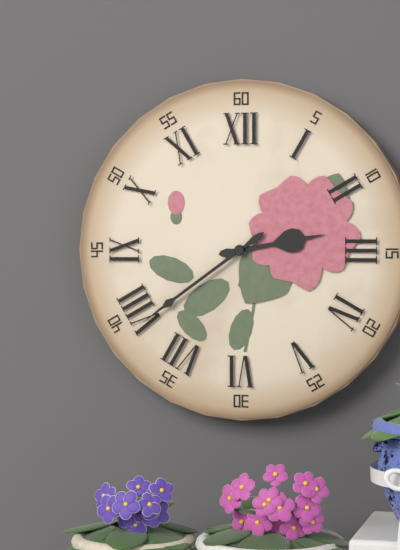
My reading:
h=2 m=39
